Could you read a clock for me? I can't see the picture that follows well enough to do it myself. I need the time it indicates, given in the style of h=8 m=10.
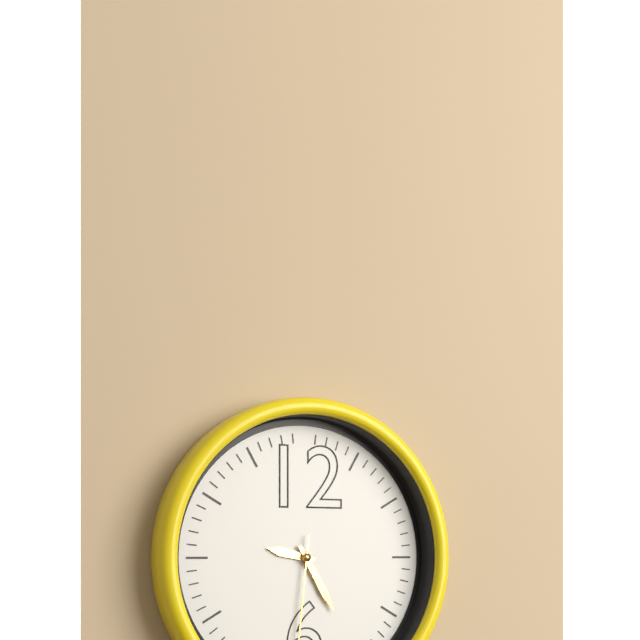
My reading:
h=9 m=25
